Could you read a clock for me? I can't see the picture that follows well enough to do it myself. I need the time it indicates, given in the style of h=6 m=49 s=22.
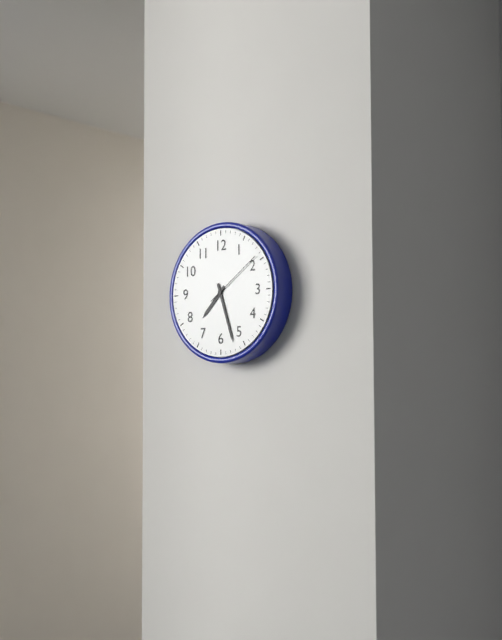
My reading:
h=7 m=27 s=9
